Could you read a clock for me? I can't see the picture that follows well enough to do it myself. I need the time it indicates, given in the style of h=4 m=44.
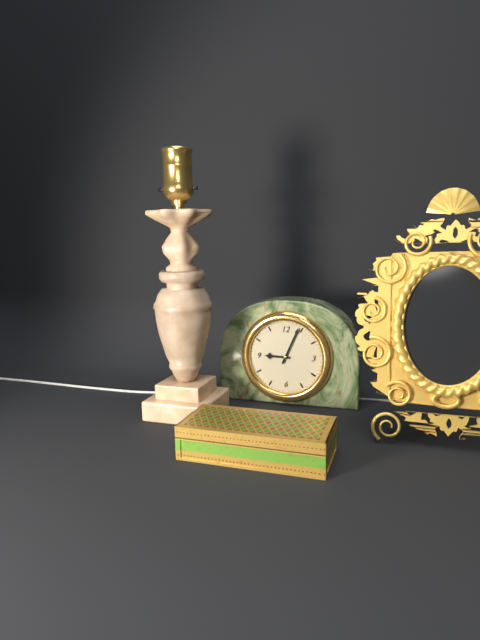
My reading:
h=9 m=4
